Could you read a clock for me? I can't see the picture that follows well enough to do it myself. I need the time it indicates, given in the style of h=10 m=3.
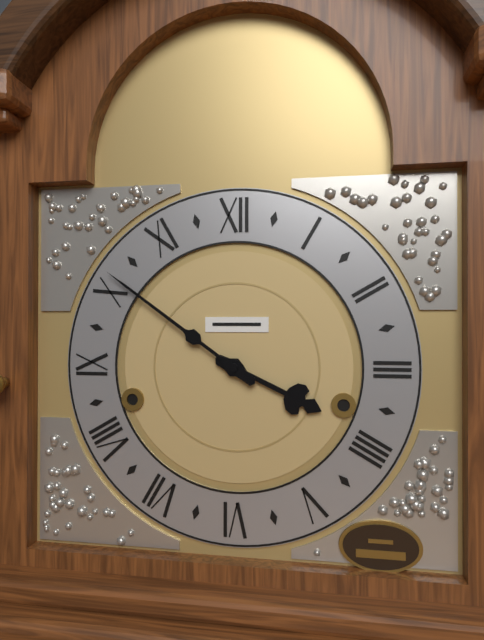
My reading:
h=3 m=51
